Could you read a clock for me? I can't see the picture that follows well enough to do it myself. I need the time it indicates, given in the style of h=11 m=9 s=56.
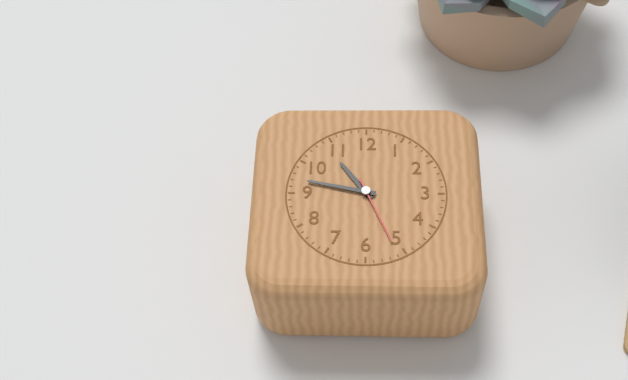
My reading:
h=10 m=47 s=26
